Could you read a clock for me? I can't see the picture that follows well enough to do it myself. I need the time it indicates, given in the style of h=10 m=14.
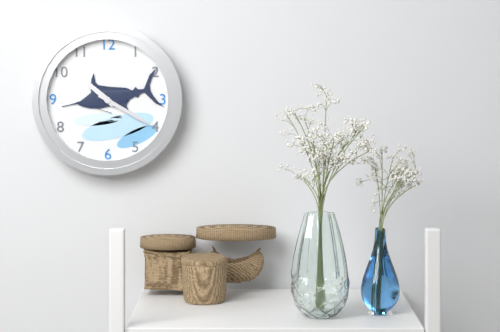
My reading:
h=10 m=20
